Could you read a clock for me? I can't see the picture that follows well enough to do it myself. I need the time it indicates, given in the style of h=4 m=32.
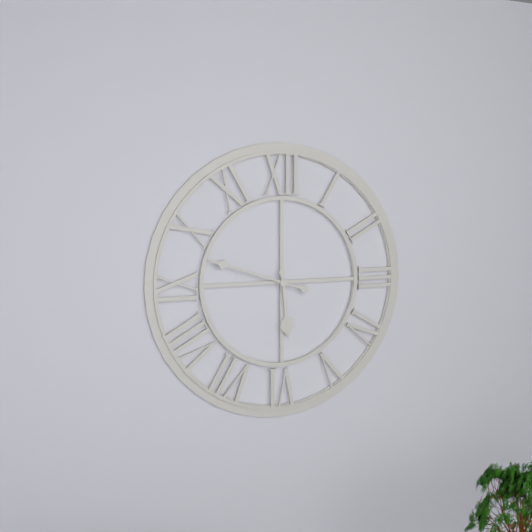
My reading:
h=5 m=48
